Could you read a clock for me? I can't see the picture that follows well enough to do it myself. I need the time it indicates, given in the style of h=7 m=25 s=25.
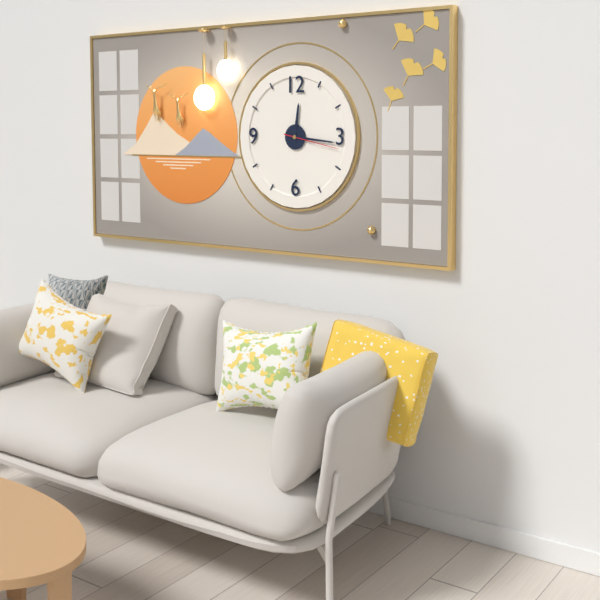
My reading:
h=12 m=16 s=17
